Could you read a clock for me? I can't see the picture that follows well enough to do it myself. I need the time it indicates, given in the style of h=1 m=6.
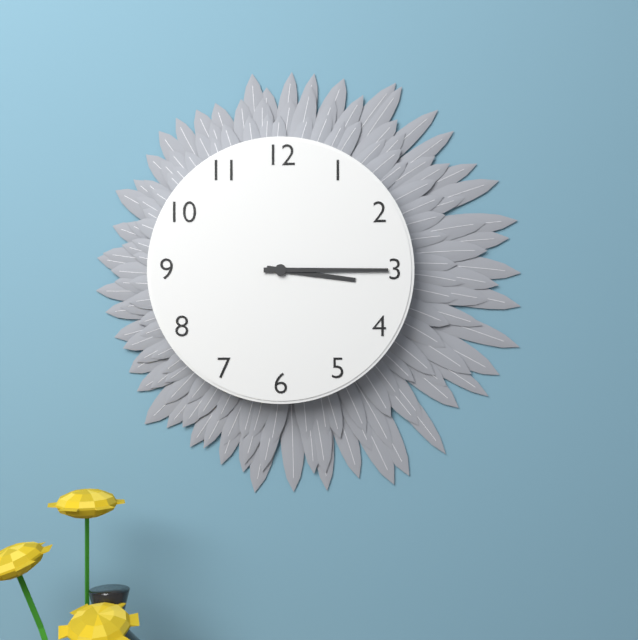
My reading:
h=3 m=15
